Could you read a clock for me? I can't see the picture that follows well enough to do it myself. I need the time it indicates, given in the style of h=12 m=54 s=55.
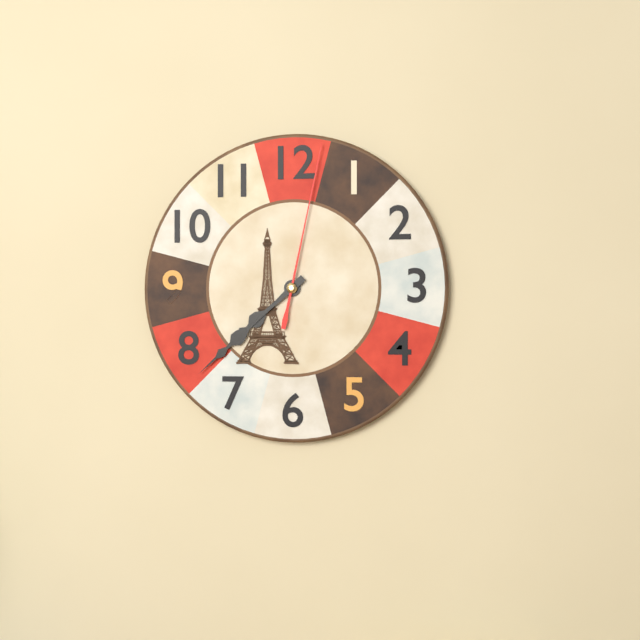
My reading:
h=7 m=38 s=2
